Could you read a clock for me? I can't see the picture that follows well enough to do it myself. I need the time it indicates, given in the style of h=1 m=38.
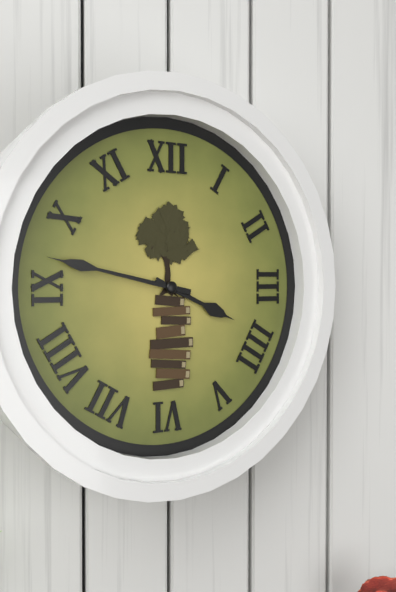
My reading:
h=3 m=47
